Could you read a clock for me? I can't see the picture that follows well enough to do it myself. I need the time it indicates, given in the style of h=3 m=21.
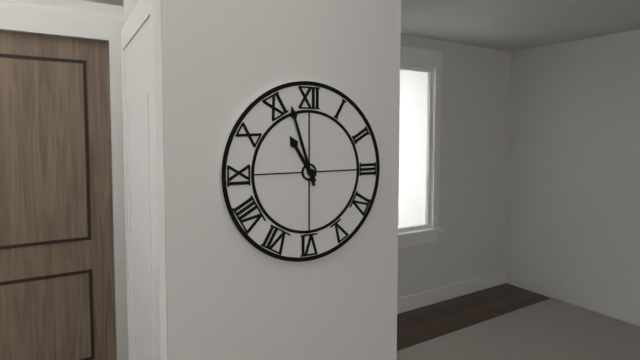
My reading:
h=10 m=57
